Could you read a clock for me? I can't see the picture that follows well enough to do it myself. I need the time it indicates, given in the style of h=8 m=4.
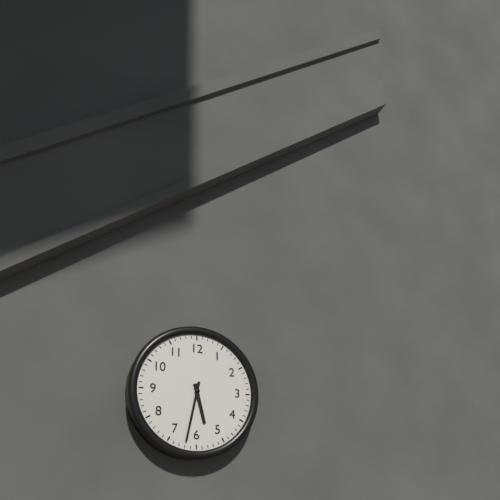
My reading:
h=5 m=32
